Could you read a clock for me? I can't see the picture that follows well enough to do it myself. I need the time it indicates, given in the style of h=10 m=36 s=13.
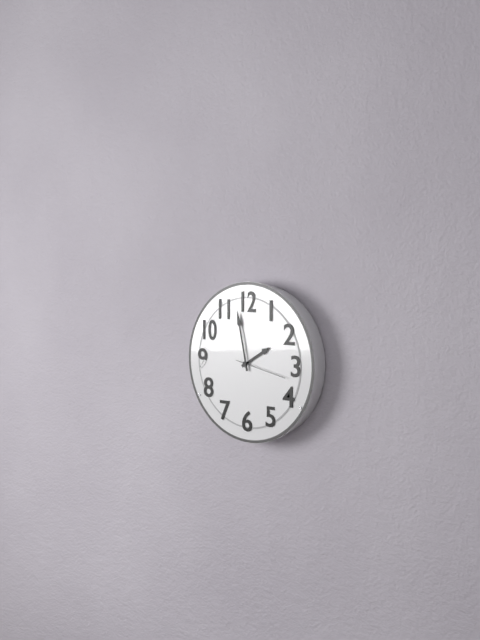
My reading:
h=1 m=58 s=17
